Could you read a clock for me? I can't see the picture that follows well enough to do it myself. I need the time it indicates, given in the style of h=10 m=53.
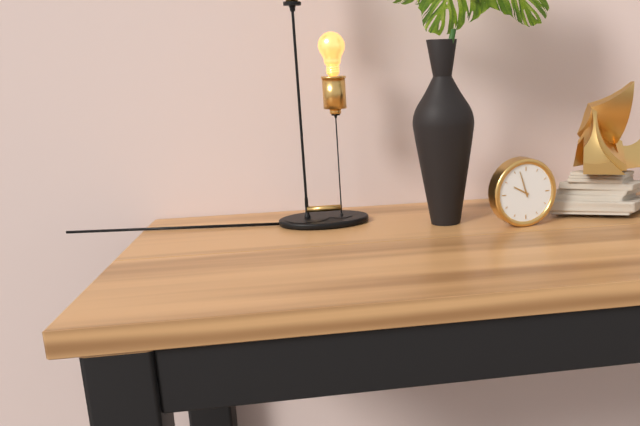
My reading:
h=9 m=57
